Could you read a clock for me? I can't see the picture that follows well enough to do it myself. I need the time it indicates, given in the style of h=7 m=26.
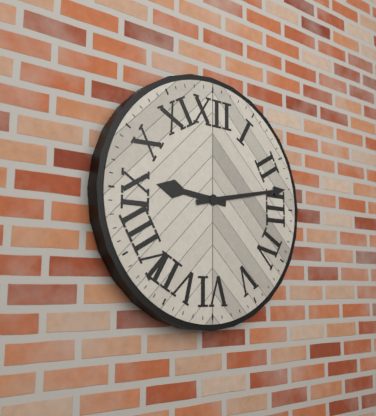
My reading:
h=9 m=13
